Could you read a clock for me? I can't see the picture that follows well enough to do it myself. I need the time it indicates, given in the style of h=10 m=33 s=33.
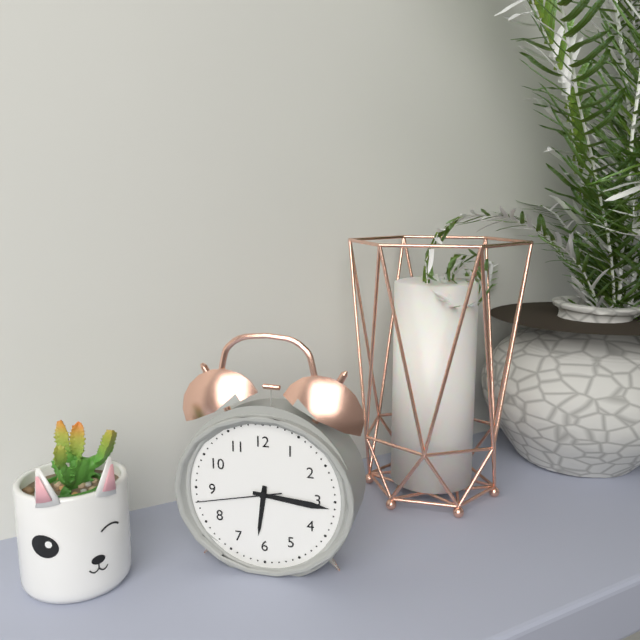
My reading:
h=6 m=16 s=43
